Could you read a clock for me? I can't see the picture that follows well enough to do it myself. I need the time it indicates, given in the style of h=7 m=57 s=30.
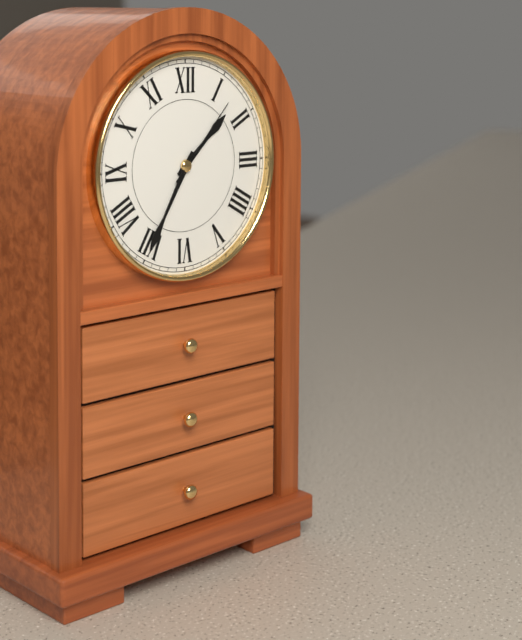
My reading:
h=1 m=35 s=7
